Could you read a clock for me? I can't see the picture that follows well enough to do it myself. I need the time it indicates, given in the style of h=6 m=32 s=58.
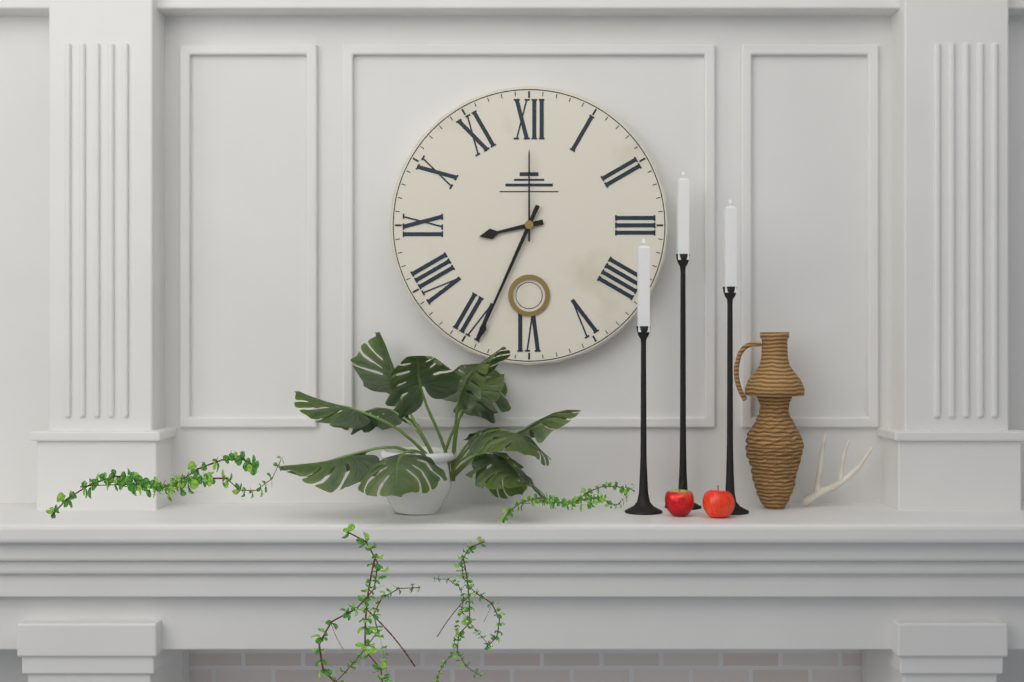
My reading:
h=8 m=34 s=0
